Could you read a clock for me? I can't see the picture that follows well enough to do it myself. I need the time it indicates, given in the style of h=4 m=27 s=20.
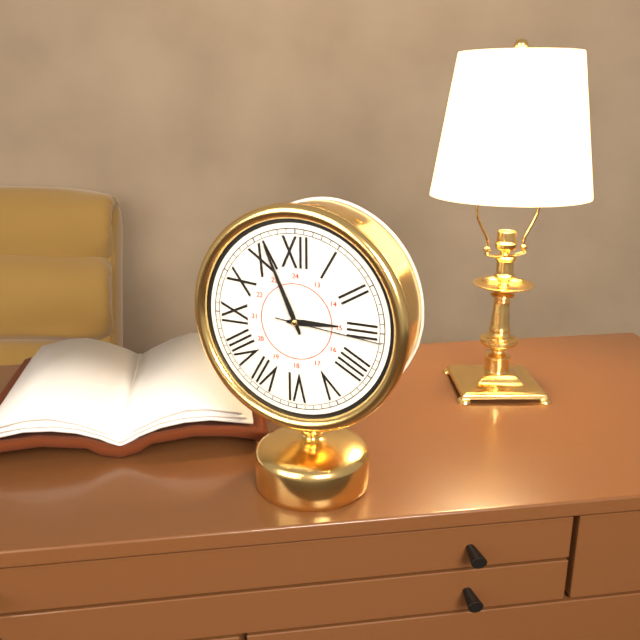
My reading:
h=2 m=56 s=16
